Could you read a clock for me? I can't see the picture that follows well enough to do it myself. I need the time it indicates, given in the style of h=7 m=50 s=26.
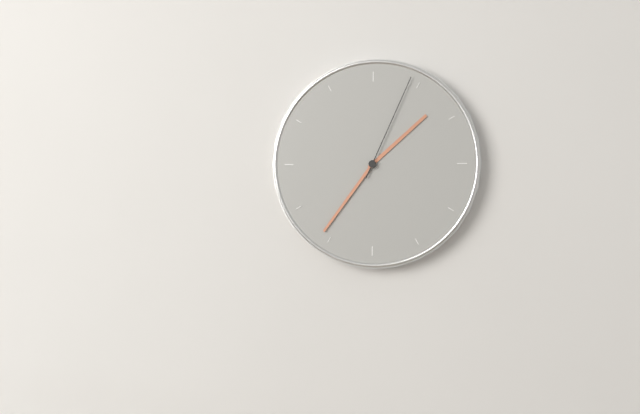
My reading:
h=1 m=36 s=4
